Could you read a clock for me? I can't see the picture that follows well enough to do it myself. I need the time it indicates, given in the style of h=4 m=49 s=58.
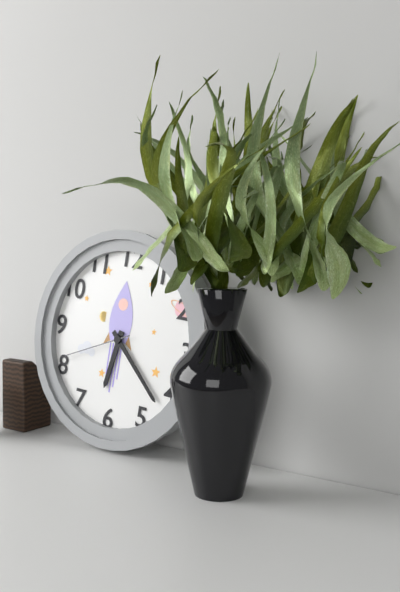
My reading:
h=6 m=22 s=41
